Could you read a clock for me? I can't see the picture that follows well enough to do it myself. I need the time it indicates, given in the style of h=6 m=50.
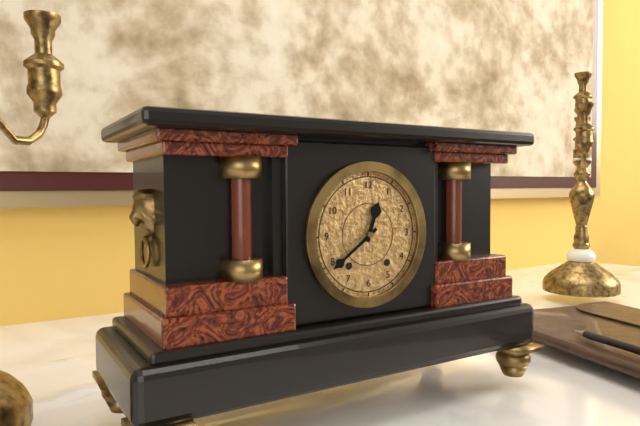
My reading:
h=12 m=39
